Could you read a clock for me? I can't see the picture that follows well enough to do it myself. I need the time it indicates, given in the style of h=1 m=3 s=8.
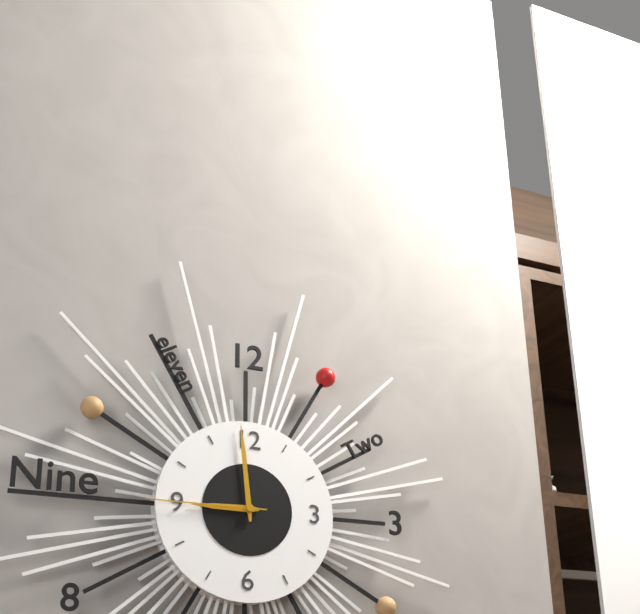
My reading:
h=8 m=59 s=45
